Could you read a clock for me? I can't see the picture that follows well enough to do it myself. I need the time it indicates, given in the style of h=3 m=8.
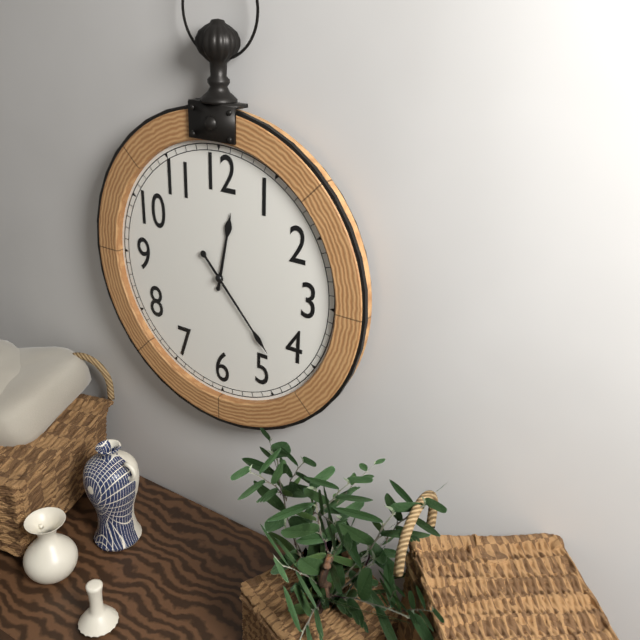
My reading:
h=12 m=23
